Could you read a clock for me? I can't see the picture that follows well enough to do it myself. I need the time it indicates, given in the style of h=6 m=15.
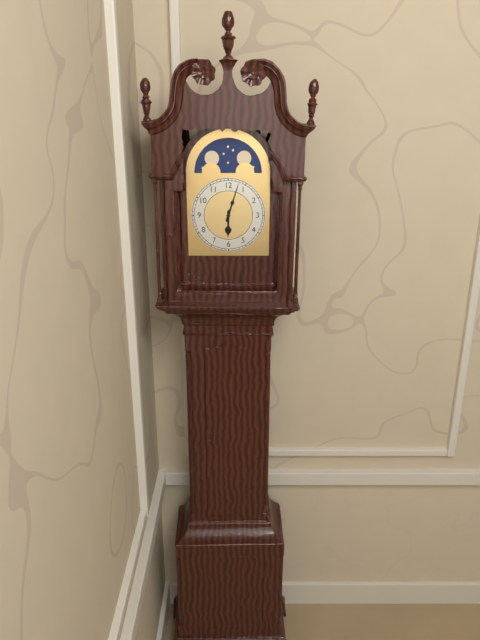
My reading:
h=6 m=3
